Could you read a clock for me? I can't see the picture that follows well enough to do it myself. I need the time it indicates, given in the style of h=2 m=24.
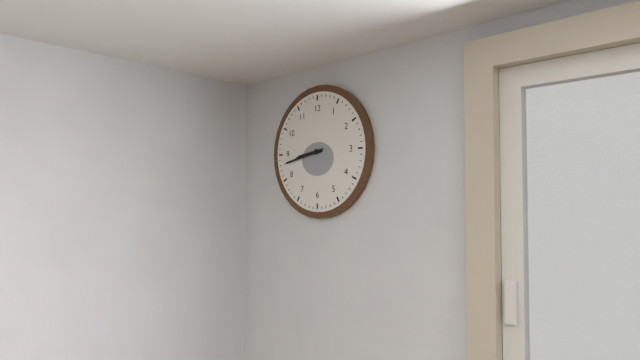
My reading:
h=8 m=43
